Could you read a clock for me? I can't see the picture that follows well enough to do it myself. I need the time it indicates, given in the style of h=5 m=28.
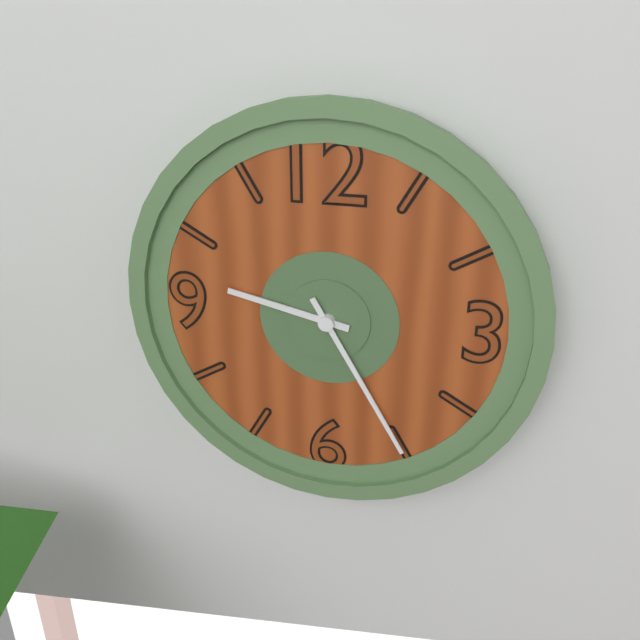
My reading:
h=9 m=25
